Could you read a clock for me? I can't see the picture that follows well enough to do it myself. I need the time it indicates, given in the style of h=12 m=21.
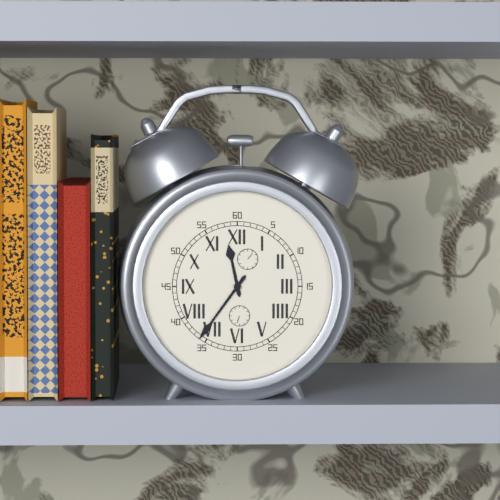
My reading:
h=11 m=36
